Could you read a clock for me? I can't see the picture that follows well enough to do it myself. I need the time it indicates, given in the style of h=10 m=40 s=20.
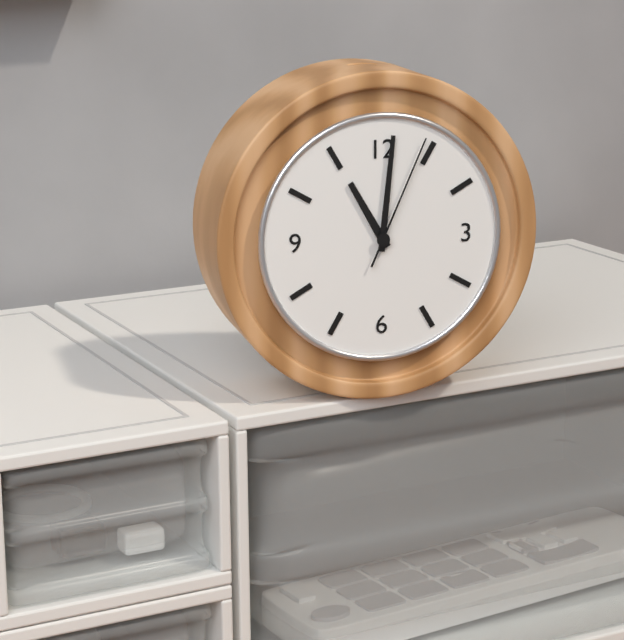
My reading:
h=11 m=1 s=4
